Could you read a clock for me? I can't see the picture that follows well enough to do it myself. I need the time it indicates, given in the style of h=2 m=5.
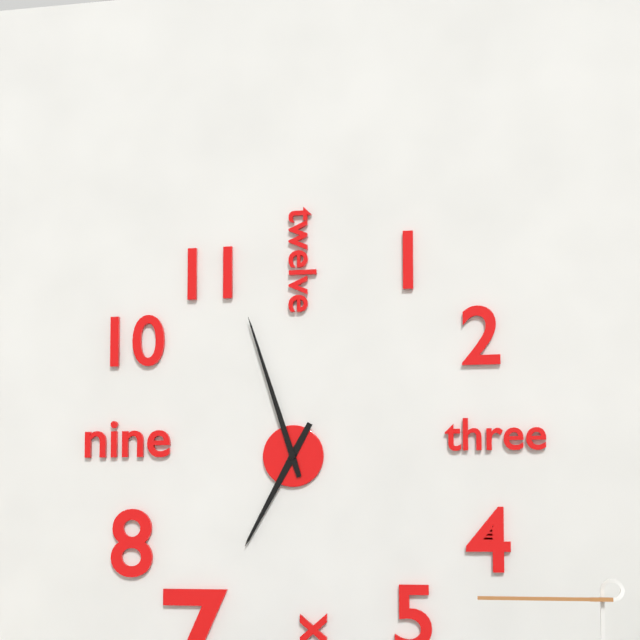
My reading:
h=6 m=57
